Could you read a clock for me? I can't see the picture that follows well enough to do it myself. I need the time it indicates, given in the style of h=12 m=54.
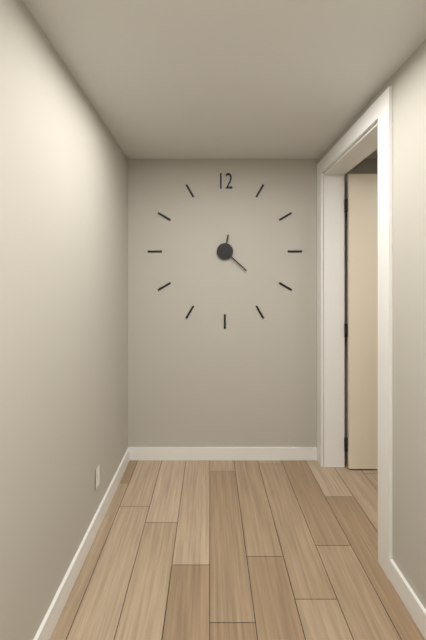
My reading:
h=12 m=22
